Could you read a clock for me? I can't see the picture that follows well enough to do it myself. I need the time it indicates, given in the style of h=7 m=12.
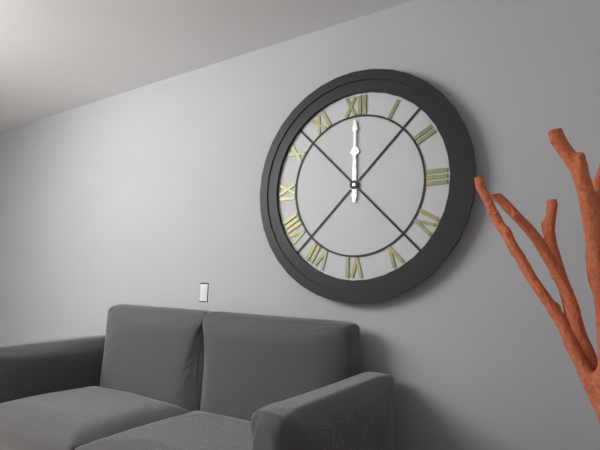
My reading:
h=12 m=0
